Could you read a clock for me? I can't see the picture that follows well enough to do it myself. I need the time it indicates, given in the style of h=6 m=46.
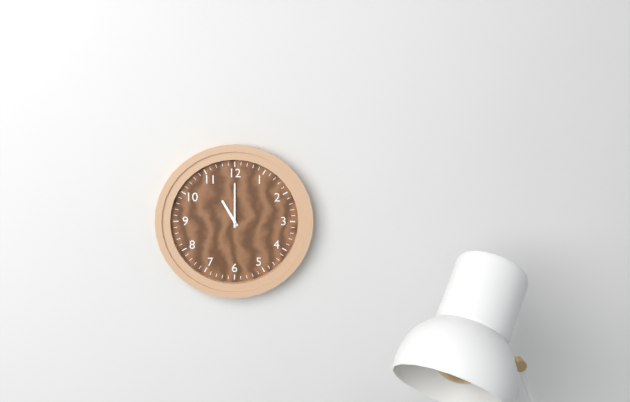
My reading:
h=11 m=0
